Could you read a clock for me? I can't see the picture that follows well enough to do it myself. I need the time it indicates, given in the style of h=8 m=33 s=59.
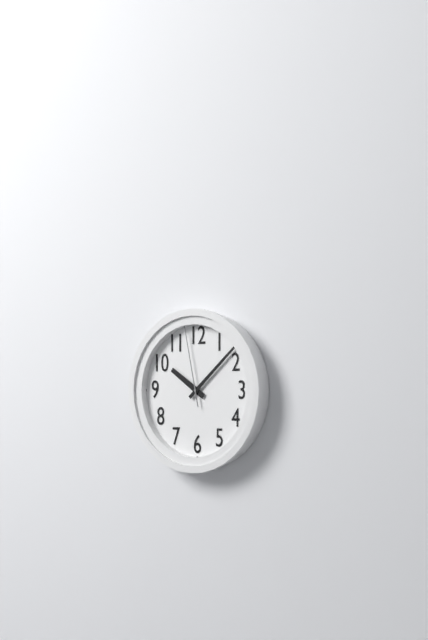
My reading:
h=10 m=8 s=58
